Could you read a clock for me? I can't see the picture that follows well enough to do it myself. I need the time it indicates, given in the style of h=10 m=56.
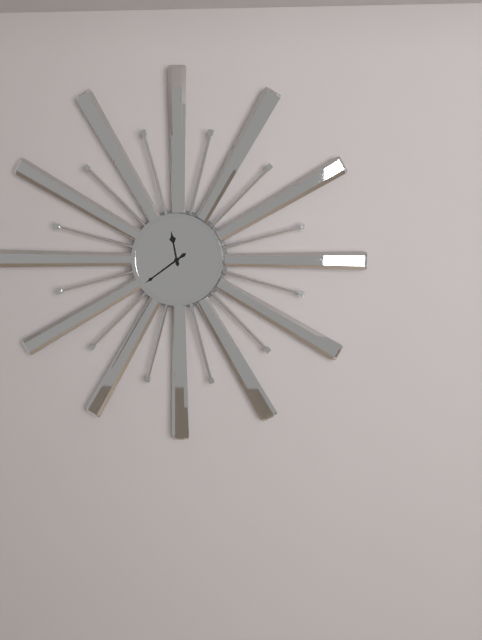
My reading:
h=11 m=39
